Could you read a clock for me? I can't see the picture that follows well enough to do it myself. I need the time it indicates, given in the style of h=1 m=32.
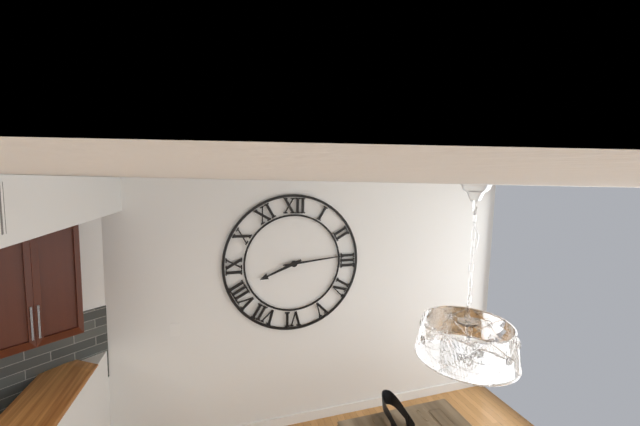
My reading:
h=8 m=14
